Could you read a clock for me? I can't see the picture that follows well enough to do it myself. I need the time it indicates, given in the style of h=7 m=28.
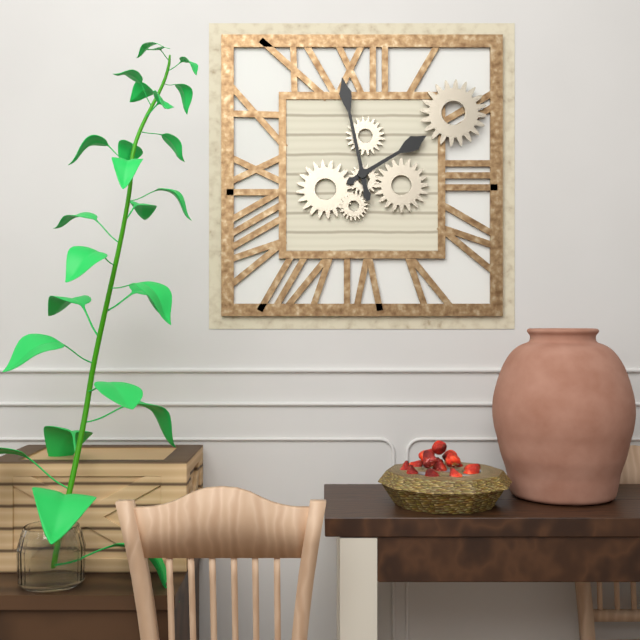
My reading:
h=1 m=58
